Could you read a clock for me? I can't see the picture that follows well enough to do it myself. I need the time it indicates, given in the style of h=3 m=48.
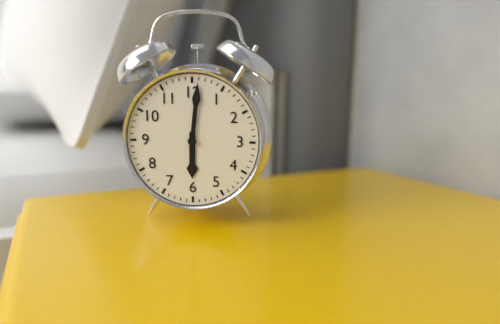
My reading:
h=6 m=1
